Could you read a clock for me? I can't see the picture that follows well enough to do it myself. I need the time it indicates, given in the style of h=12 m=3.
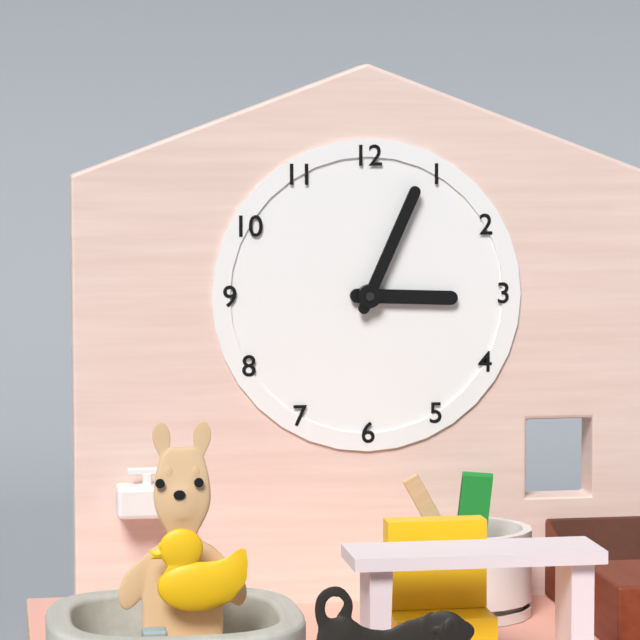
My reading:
h=3 m=4
